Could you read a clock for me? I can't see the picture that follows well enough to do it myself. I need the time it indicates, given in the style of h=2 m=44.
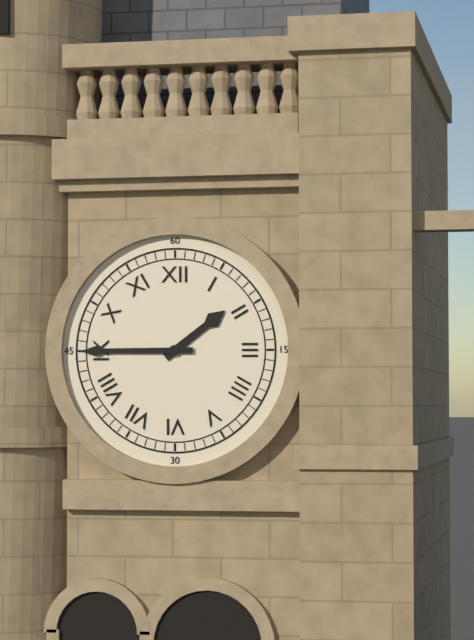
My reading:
h=1 m=45
